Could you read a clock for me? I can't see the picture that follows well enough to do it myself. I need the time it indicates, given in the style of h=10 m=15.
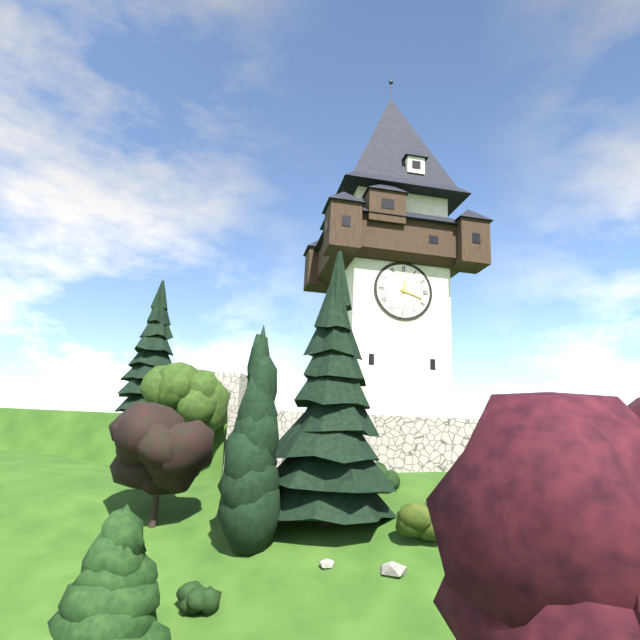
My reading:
h=12 m=18
